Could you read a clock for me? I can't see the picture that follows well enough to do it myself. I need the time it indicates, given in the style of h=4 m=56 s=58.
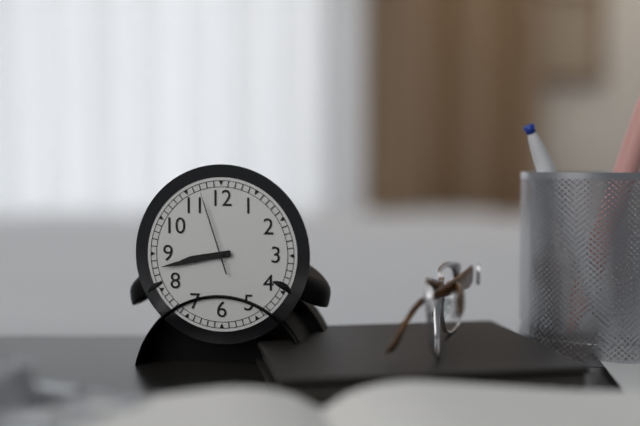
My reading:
h=8 m=43 s=57
